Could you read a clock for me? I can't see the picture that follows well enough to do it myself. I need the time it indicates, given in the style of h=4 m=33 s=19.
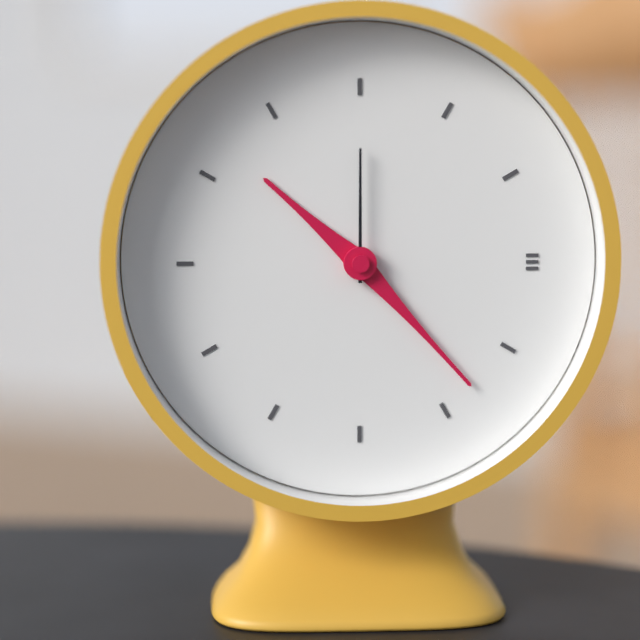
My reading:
h=10 m=23 s=0
